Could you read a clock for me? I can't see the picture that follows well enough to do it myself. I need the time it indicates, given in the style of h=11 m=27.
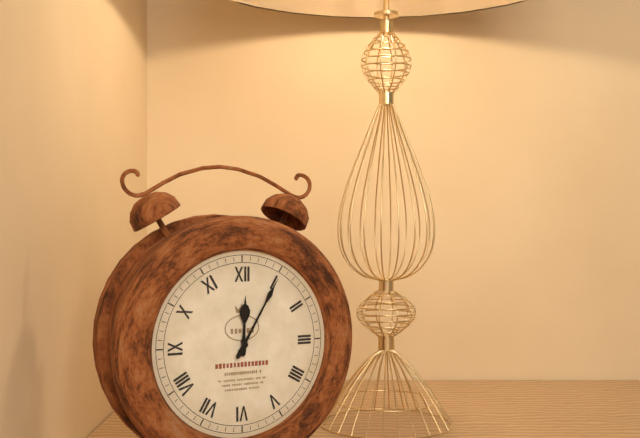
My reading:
h=12 m=5
